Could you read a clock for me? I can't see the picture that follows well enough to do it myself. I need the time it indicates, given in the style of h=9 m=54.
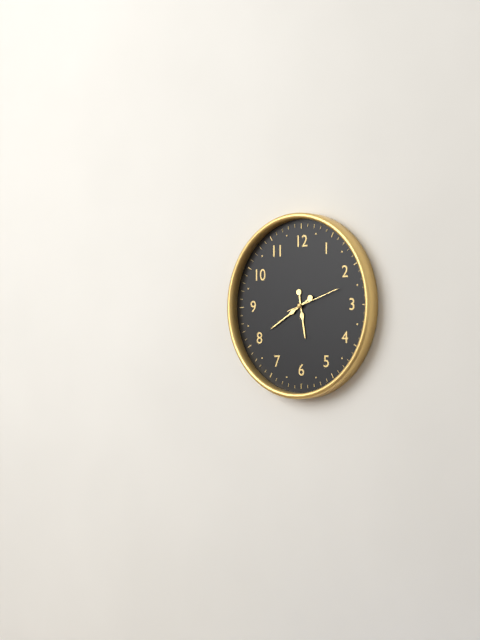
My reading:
h=5 m=40
